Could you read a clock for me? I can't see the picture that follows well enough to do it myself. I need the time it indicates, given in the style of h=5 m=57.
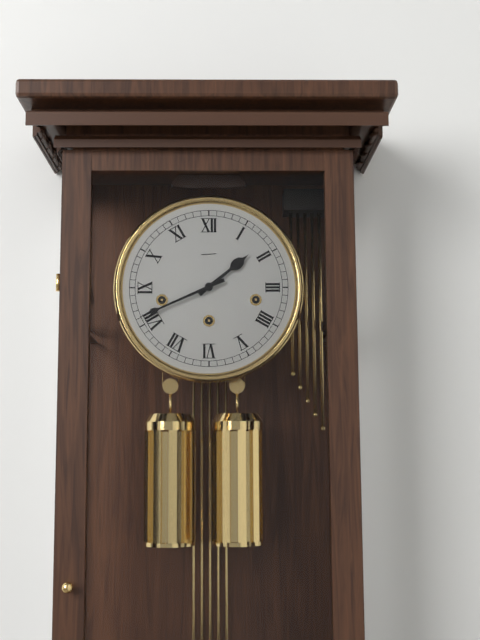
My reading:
h=1 m=41
